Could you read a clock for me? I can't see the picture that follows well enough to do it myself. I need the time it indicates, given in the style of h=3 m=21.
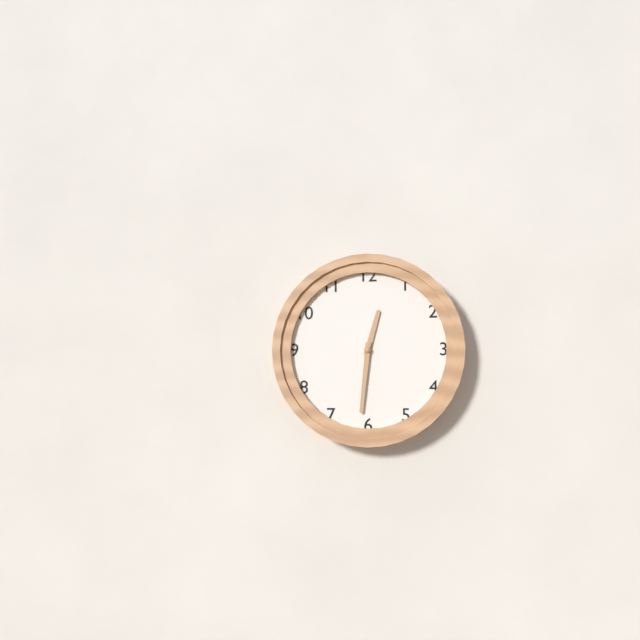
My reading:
h=12 m=31
